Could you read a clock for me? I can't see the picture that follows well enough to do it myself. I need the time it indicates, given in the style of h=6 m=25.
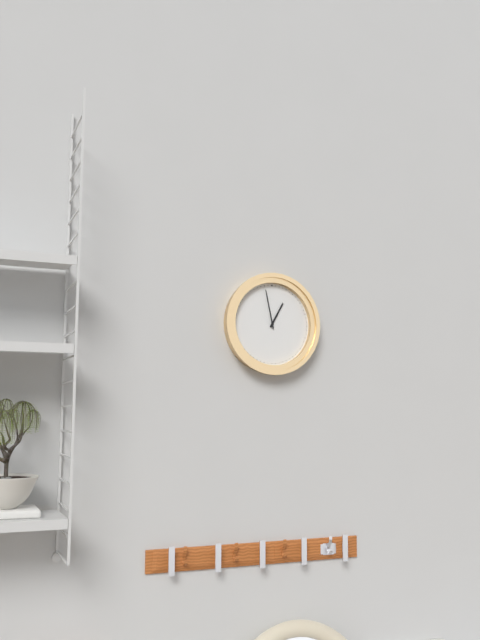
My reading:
h=12 m=58
